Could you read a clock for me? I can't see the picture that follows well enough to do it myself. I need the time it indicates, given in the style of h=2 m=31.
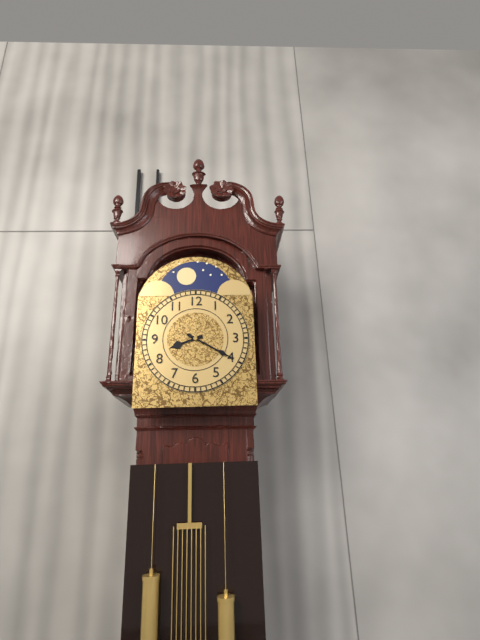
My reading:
h=8 m=20
